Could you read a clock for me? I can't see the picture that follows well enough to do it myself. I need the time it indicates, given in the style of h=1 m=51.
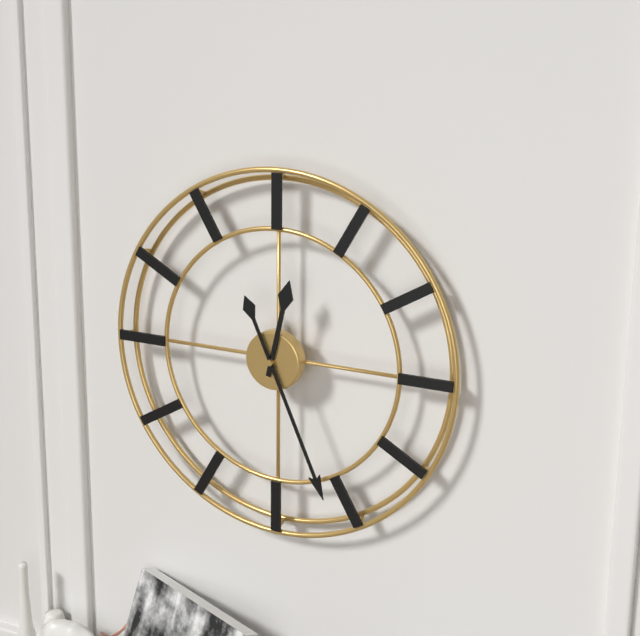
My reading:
h=12 m=26
